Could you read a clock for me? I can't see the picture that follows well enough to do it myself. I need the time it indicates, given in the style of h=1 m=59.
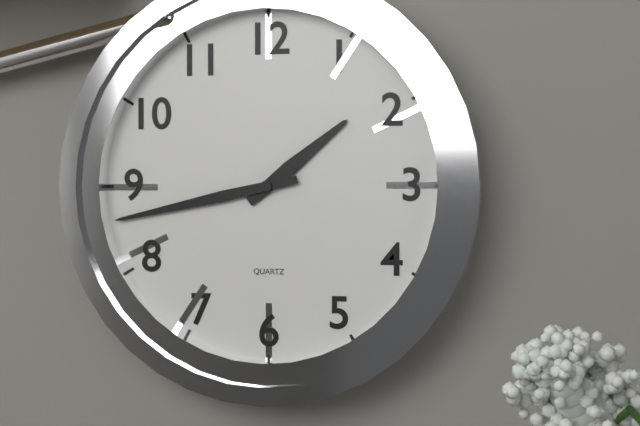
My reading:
h=1 m=43
